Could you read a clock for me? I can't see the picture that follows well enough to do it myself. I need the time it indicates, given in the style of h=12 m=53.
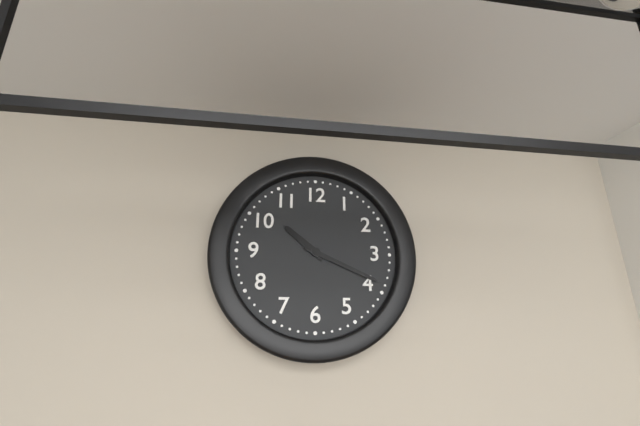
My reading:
h=10 m=19
